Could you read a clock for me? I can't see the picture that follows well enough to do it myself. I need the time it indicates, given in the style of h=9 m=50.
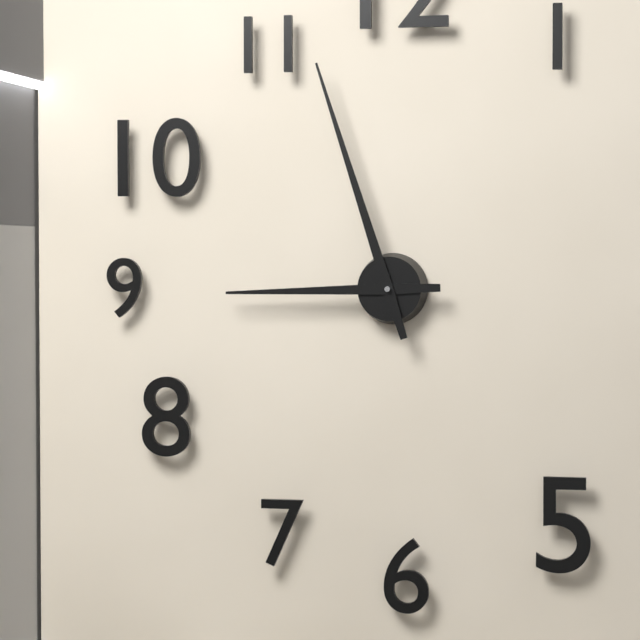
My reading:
h=8 m=57
